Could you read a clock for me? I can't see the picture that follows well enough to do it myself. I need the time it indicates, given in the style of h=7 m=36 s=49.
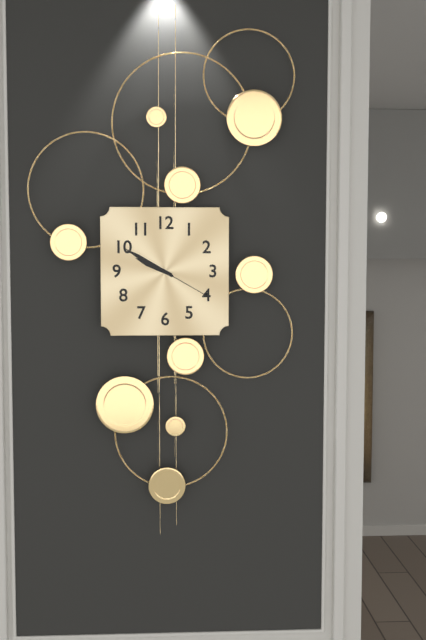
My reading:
h=9 m=50 s=20
